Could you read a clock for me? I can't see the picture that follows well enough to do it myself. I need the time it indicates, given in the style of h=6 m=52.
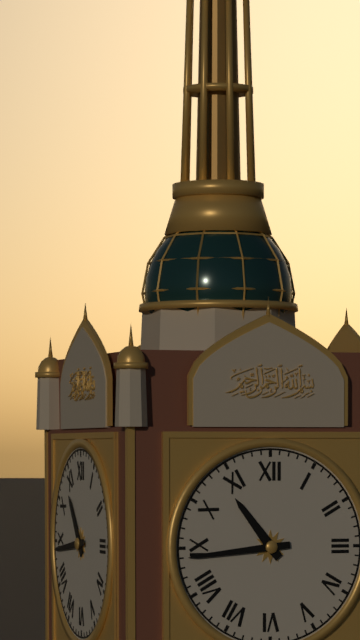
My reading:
h=10 m=44
